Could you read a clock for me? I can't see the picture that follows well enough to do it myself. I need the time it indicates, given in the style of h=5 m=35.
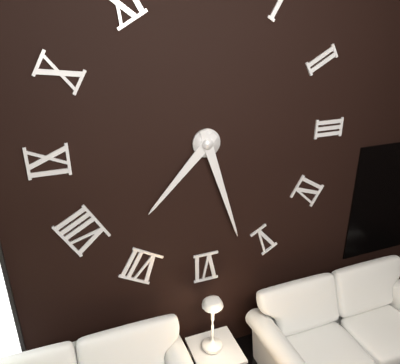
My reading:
h=7 m=27
